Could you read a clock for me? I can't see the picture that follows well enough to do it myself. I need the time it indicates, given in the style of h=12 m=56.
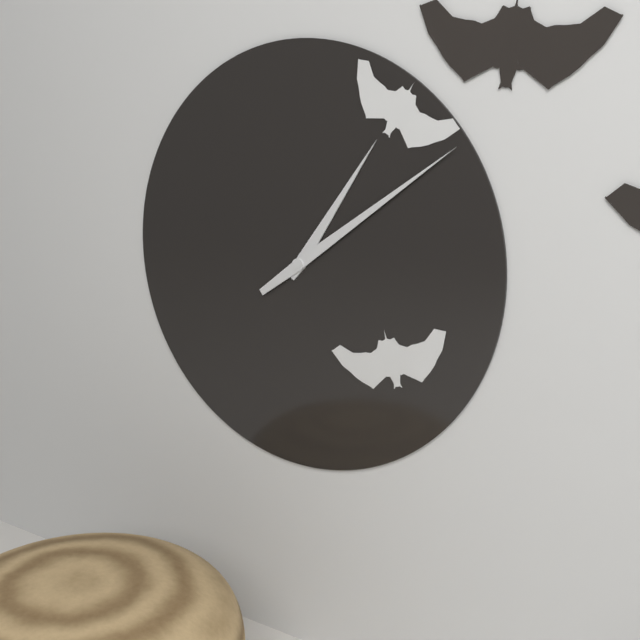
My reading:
h=1 m=9
